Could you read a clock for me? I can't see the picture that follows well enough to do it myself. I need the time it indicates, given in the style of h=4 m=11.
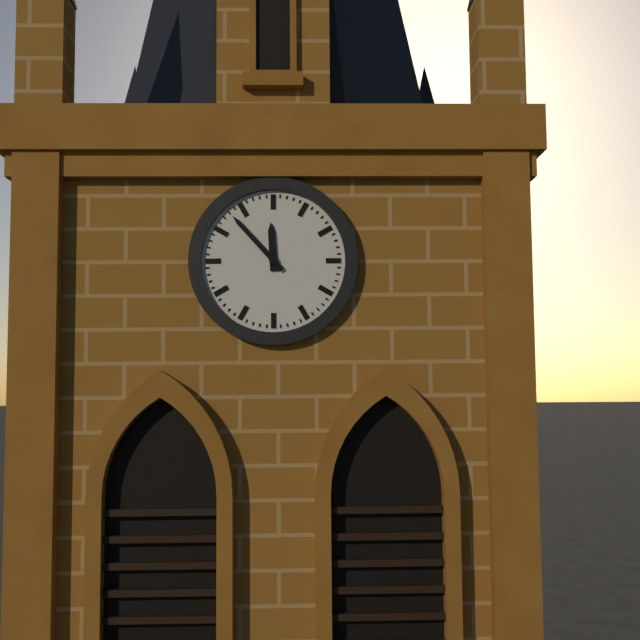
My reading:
h=11 m=53
